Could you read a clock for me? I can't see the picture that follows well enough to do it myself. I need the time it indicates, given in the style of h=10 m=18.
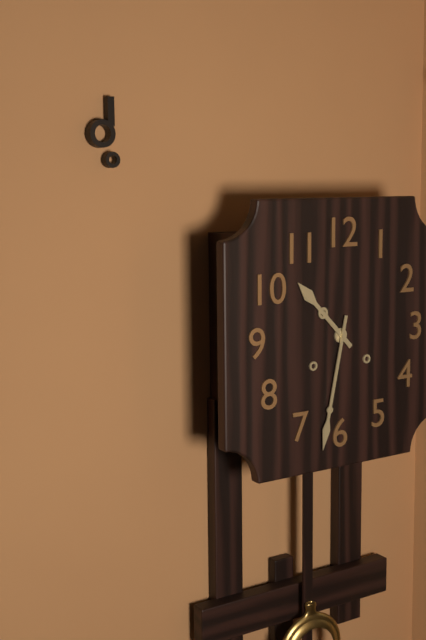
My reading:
h=10 m=32
